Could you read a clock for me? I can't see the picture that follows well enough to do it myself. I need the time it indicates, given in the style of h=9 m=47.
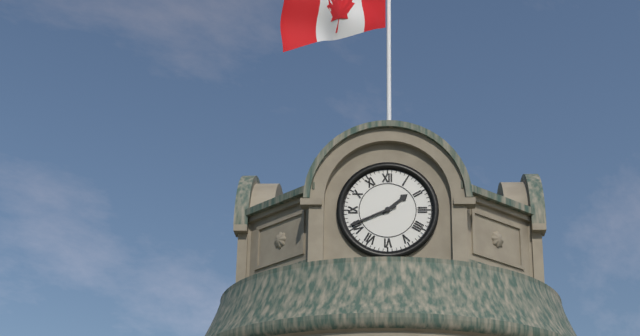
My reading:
h=1 m=41
